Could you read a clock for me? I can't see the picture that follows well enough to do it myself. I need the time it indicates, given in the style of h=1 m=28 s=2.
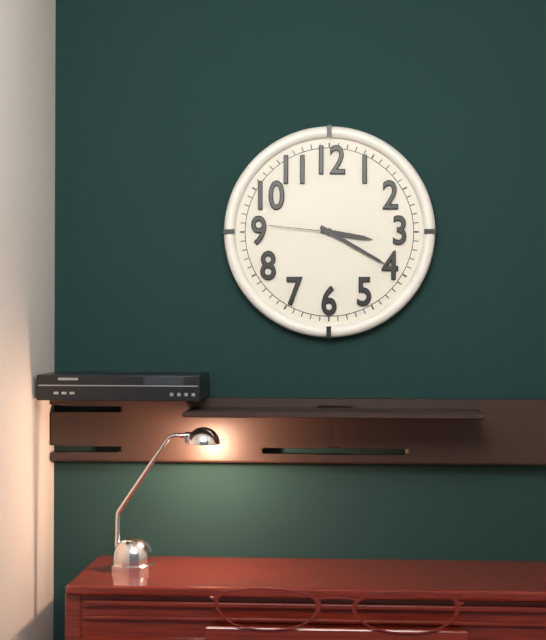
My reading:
h=3 m=20 s=46
